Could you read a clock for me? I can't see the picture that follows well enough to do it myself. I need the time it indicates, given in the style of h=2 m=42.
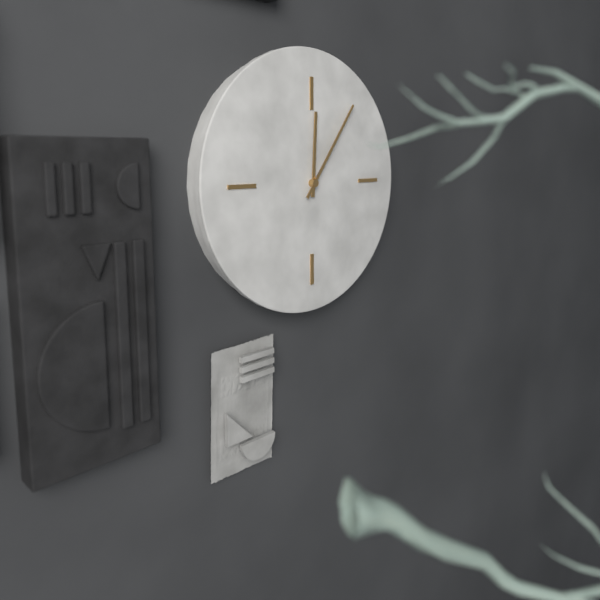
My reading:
h=12 m=6
